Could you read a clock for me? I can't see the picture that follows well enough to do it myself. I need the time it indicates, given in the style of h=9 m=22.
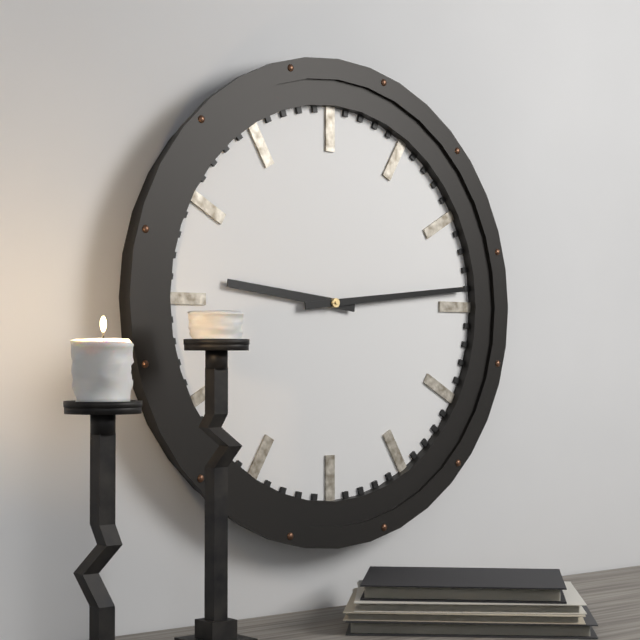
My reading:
h=9 m=14
